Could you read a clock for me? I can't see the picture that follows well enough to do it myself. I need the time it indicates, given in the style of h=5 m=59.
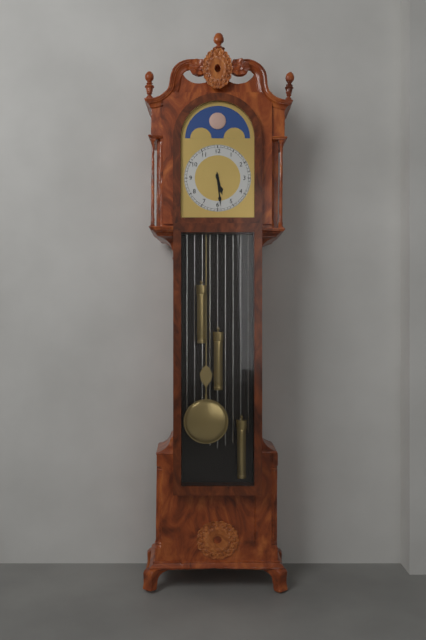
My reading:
h=5 m=29
